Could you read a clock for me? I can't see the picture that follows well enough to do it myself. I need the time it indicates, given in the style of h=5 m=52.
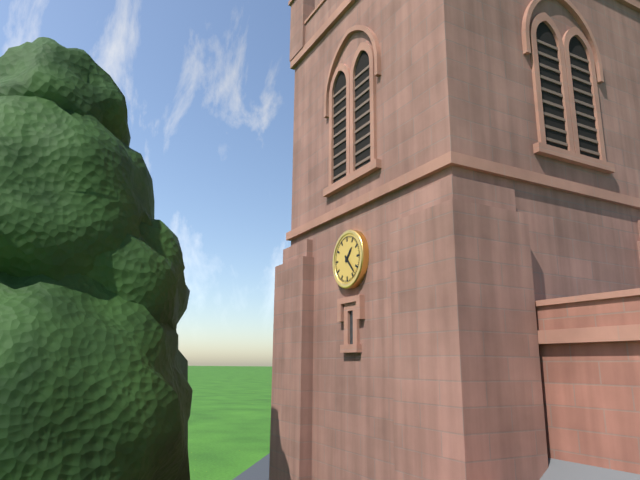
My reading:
h=1 m=23
